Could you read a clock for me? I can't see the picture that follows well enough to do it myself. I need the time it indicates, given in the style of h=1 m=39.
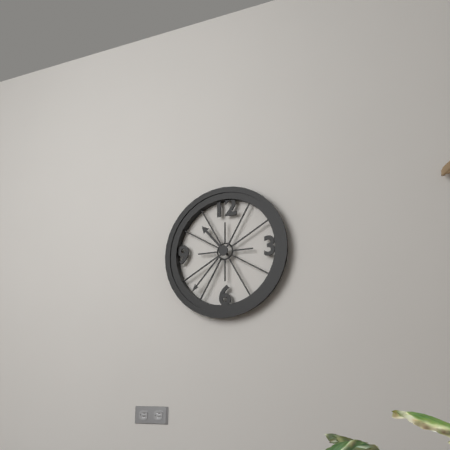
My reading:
h=10 m=37
